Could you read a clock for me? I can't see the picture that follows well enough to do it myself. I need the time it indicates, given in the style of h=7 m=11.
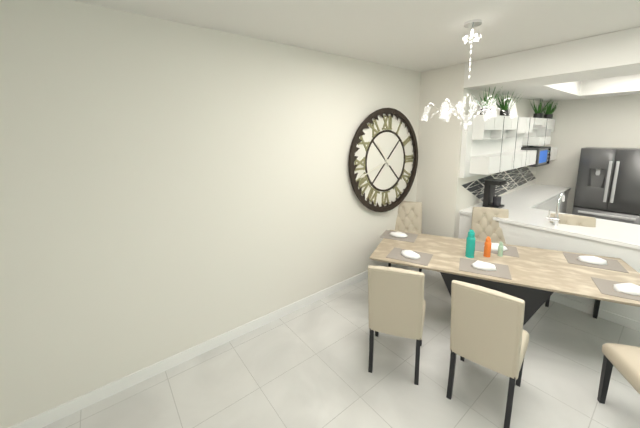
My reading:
h=10 m=42
